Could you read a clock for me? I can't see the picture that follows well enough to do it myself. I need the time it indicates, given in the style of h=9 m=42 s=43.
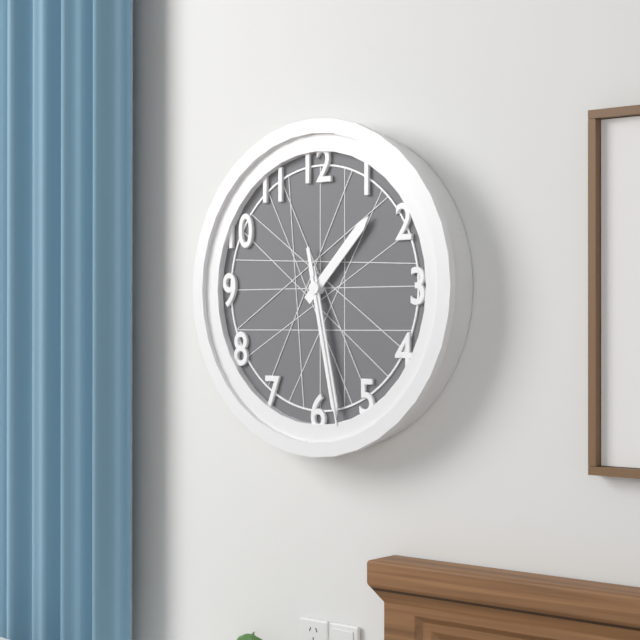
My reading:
h=1 m=28 s=28
